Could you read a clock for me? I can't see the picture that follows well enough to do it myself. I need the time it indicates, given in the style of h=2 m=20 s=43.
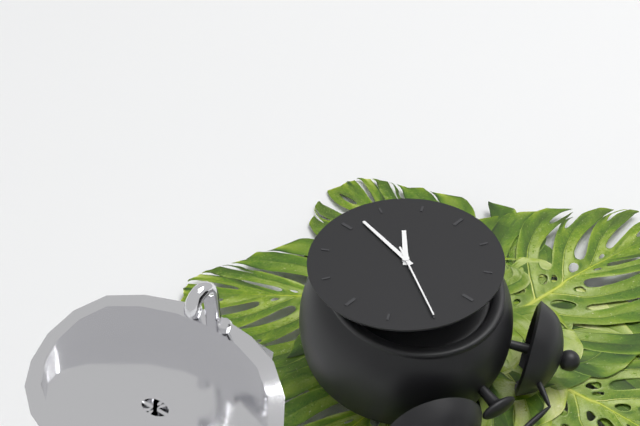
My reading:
h=7 m=32 s=5
